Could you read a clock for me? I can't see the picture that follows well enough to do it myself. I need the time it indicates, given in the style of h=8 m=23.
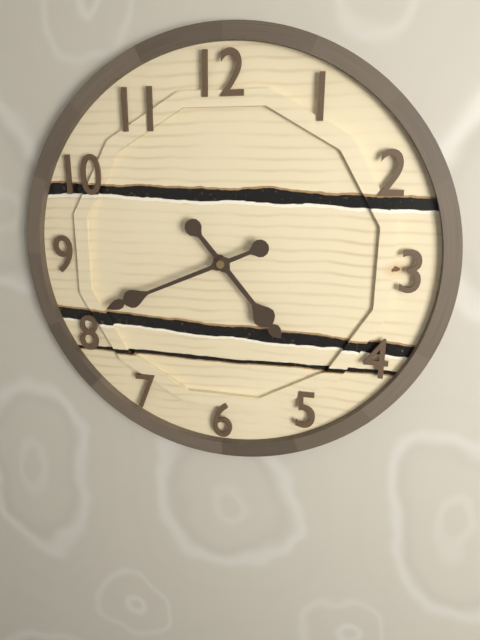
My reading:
h=4 m=41
